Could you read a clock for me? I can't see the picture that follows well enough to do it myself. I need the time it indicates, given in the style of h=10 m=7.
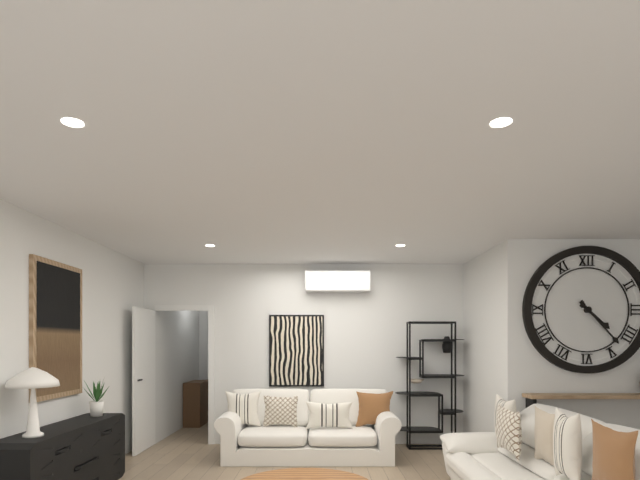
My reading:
h=4 m=23
